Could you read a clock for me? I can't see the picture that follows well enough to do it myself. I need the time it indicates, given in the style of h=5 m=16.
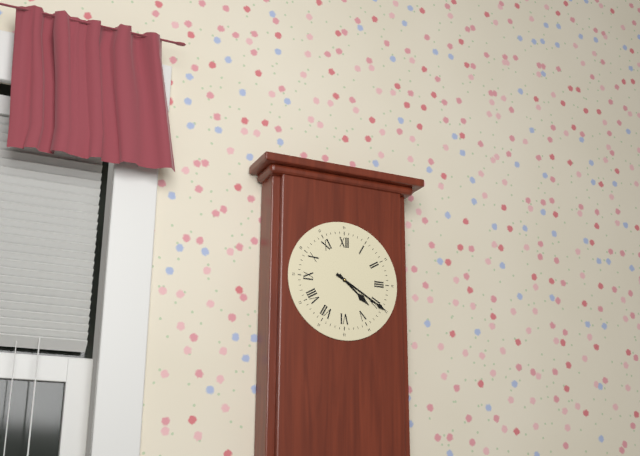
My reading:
h=4 m=20
